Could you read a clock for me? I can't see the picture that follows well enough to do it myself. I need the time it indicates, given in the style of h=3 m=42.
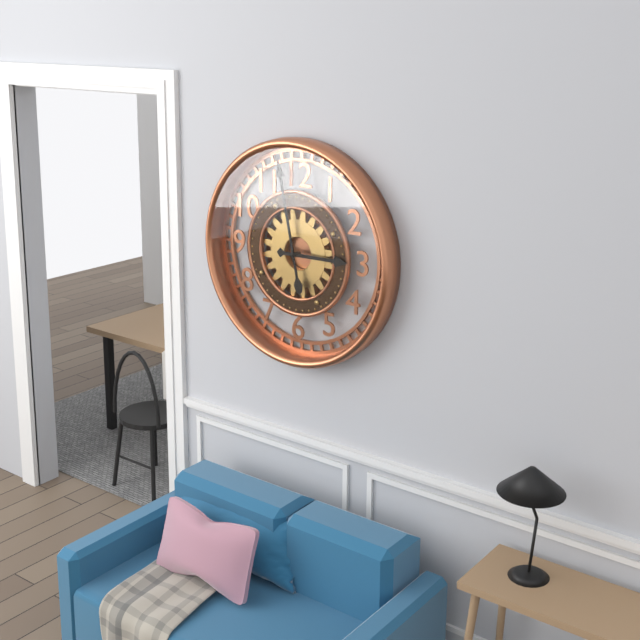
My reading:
h=2 m=58
